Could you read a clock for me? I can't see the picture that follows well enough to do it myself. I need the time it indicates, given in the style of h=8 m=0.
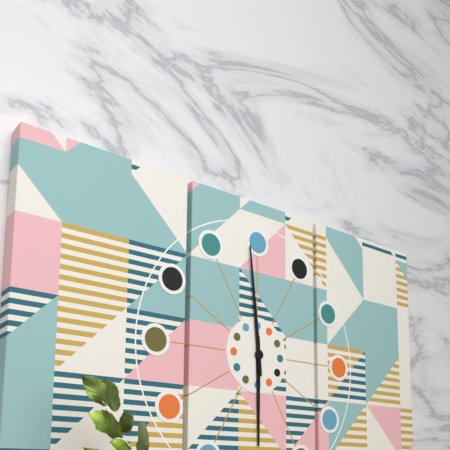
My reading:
h=5 m=59
